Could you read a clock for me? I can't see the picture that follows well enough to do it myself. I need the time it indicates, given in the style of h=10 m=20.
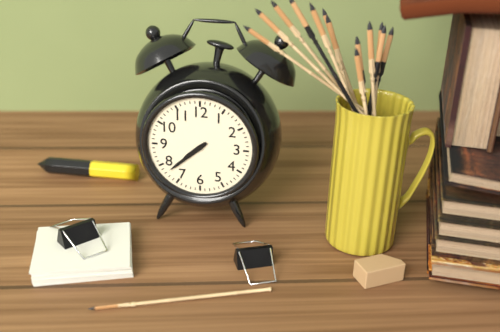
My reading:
h=7 m=38
